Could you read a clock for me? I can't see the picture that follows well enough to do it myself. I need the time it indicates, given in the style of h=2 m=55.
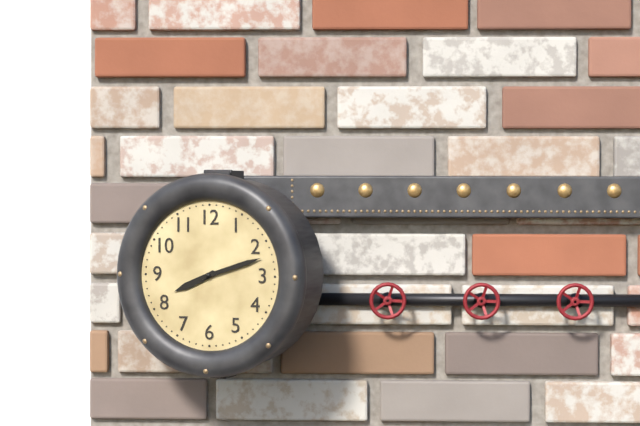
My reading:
h=8 m=12
